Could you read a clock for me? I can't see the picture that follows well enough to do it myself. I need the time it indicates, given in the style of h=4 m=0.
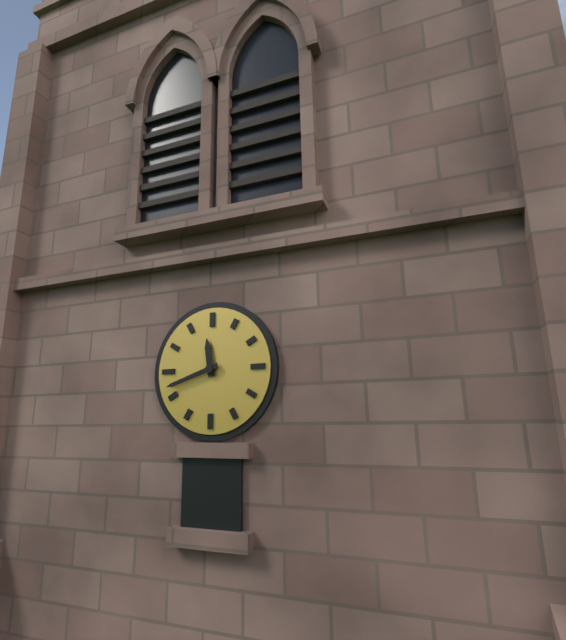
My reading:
h=11 m=42
